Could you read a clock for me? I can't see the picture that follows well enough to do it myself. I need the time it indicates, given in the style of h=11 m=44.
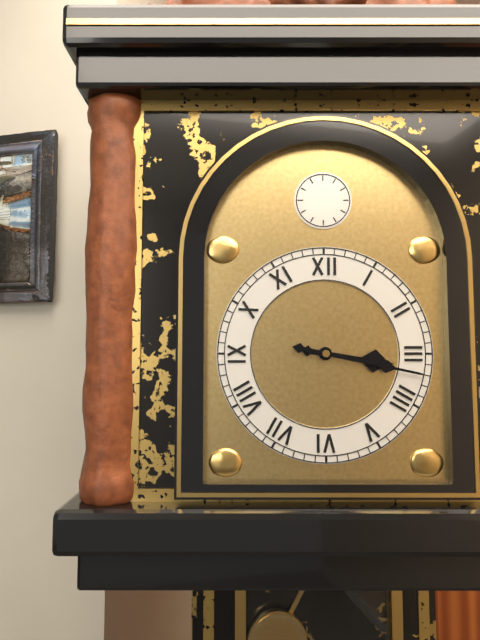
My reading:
h=3 m=17
